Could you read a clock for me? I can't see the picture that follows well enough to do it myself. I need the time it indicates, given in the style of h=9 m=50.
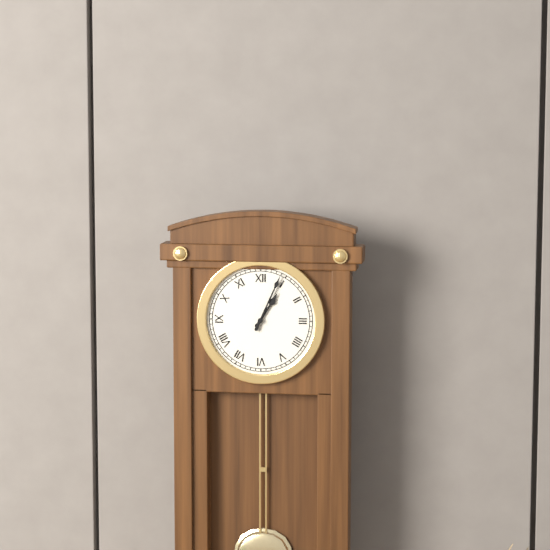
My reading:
h=1 m=4
